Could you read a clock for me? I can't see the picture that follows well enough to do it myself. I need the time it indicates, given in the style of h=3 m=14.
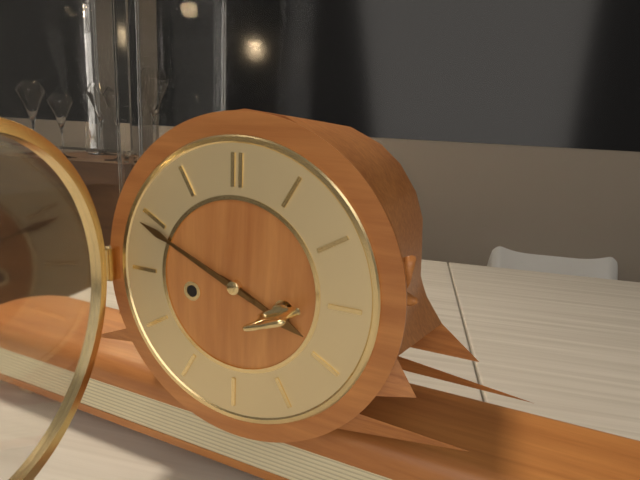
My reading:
h=3 m=49
